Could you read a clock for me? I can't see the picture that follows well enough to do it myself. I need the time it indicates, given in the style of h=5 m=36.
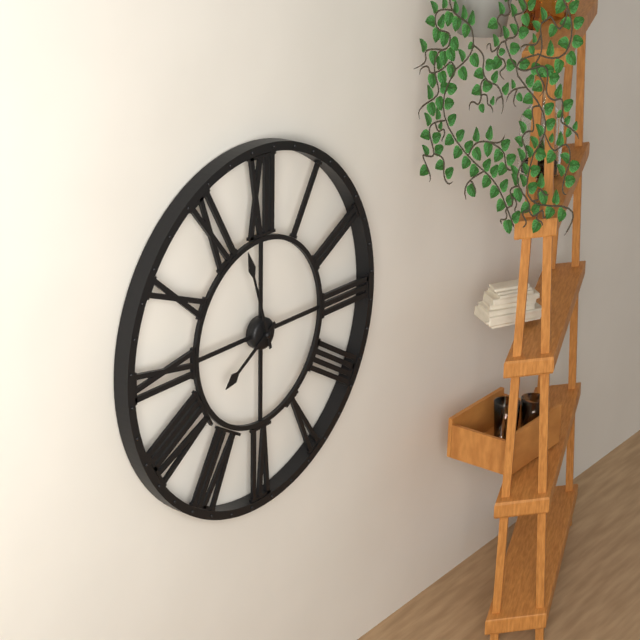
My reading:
h=7 m=57
